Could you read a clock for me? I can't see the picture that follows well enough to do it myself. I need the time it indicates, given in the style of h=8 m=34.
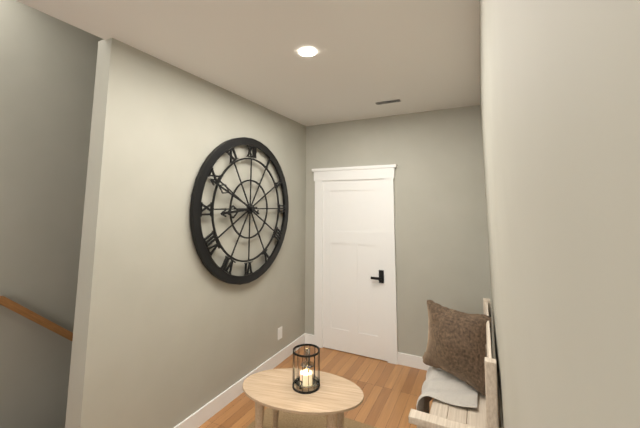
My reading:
h=8 m=49
